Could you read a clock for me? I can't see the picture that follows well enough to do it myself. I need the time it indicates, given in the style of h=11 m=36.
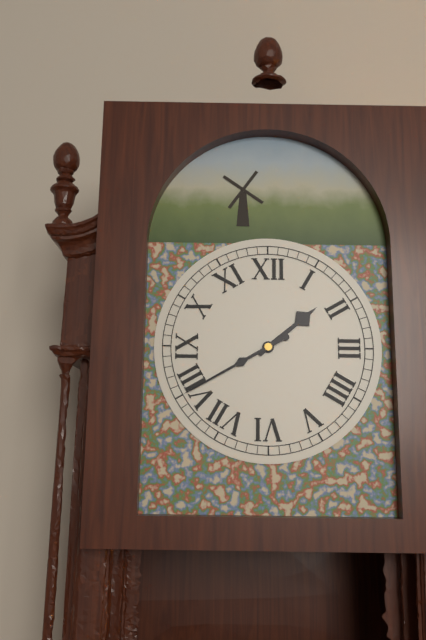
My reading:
h=1 m=40
